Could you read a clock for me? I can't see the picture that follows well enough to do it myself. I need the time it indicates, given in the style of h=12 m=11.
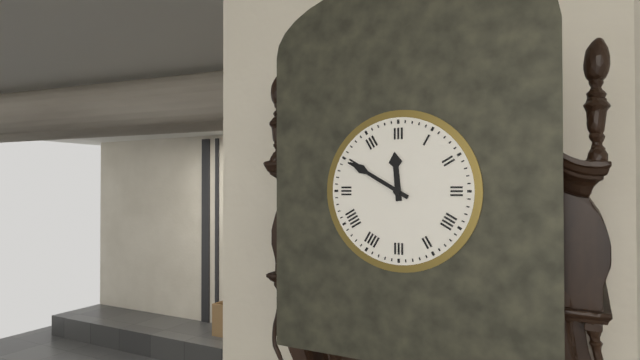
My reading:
h=11 m=50
